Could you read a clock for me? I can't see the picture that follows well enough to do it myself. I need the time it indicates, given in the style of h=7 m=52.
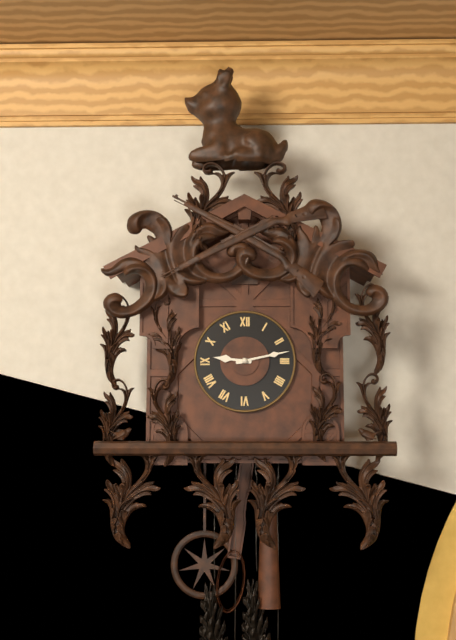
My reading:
h=9 m=13
